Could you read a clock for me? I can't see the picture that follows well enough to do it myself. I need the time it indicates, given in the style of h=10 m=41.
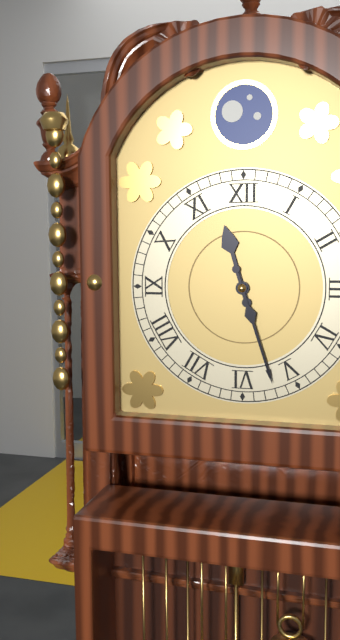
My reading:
h=11 m=27
